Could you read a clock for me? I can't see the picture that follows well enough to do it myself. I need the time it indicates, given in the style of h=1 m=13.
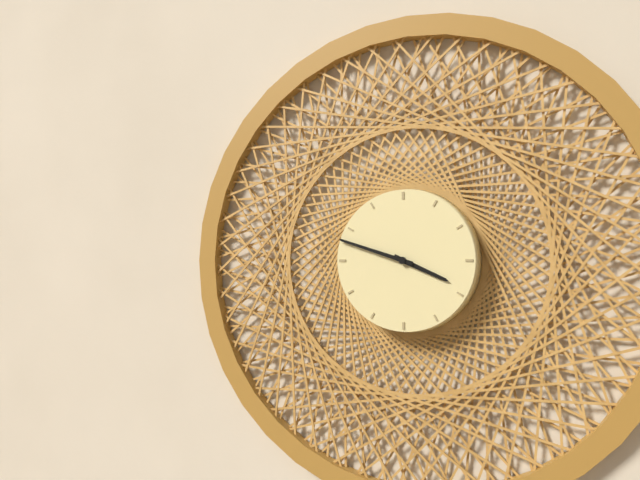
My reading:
h=3 m=48
